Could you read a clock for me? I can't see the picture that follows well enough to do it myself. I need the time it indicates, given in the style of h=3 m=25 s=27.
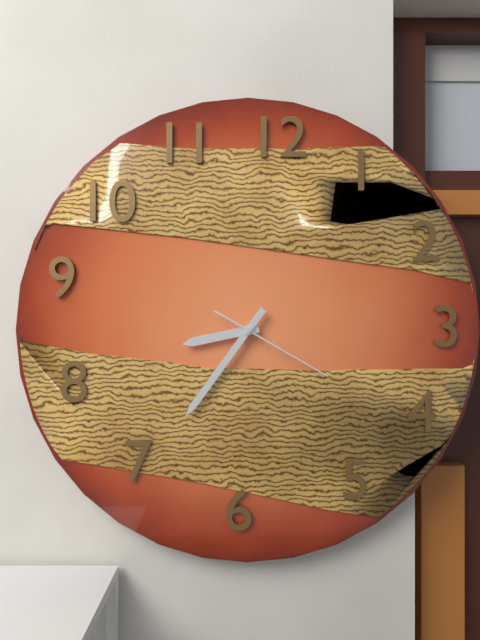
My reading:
h=8 m=36 s=20
